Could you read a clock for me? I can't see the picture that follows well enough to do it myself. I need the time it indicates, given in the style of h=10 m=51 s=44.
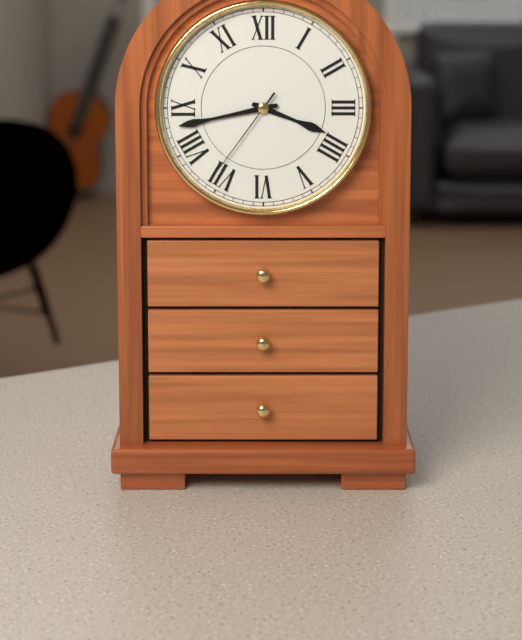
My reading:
h=3 m=43 s=36
